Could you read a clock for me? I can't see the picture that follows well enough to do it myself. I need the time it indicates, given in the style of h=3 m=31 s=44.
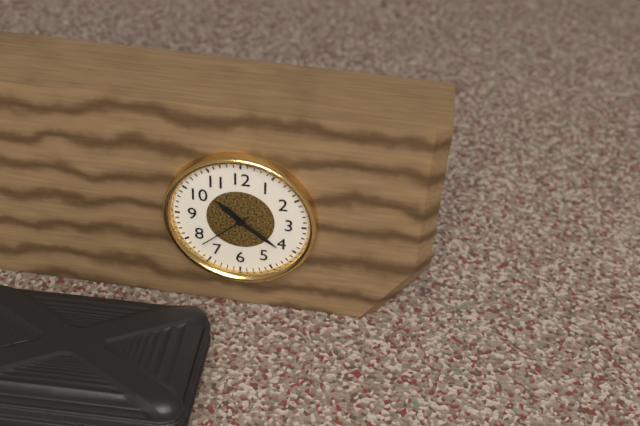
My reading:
h=10 m=21 s=38
